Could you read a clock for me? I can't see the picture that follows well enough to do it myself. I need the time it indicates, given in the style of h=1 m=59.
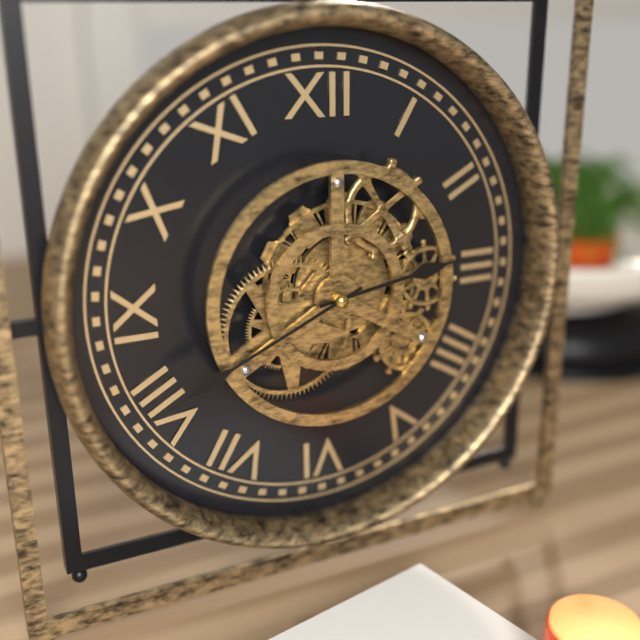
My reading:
h=2 m=41
